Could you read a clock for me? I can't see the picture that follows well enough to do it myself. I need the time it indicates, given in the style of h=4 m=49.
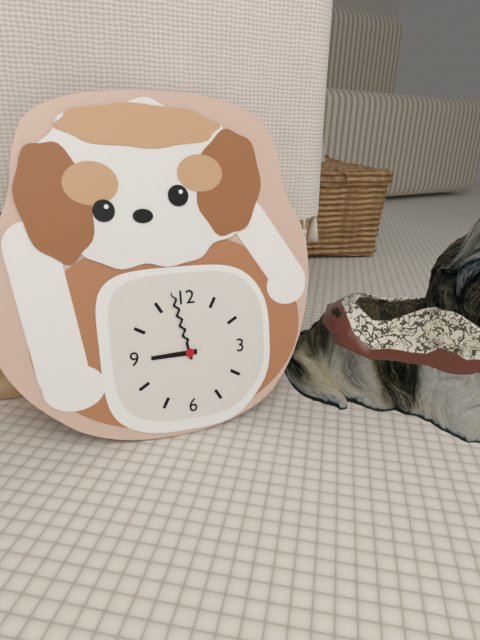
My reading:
h=8 m=58
